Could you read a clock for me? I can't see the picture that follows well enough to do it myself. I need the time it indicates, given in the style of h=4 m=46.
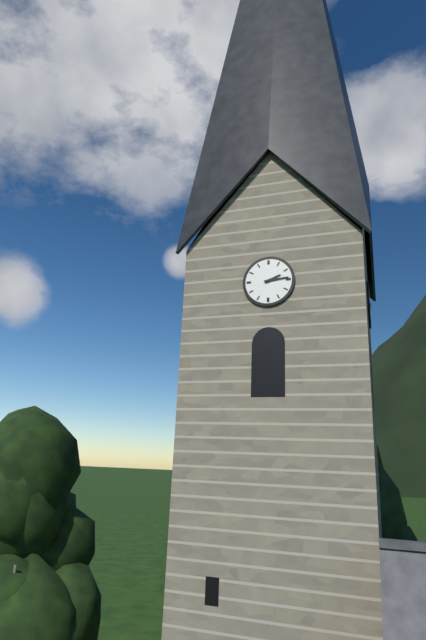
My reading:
h=2 m=14
